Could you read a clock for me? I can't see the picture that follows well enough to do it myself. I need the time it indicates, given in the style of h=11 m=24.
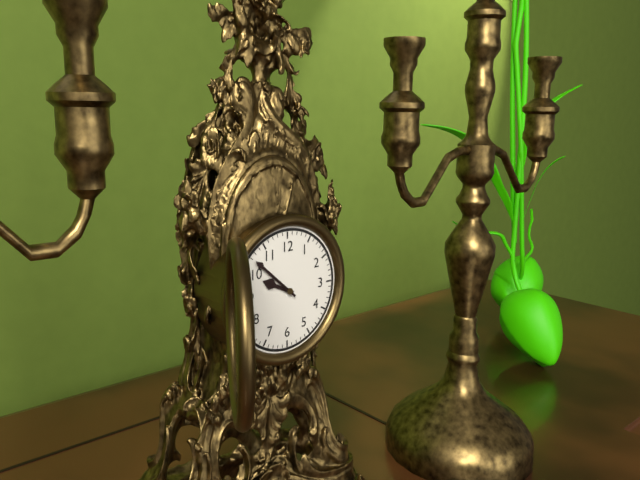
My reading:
h=9 m=52
